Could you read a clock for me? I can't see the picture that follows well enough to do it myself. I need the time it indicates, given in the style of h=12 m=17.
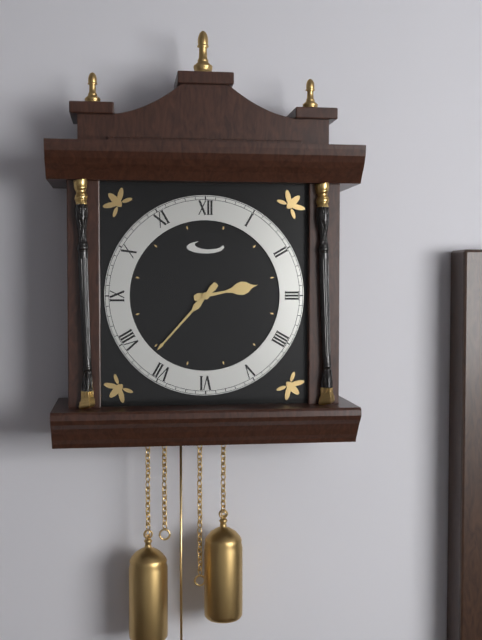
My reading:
h=2 m=37
